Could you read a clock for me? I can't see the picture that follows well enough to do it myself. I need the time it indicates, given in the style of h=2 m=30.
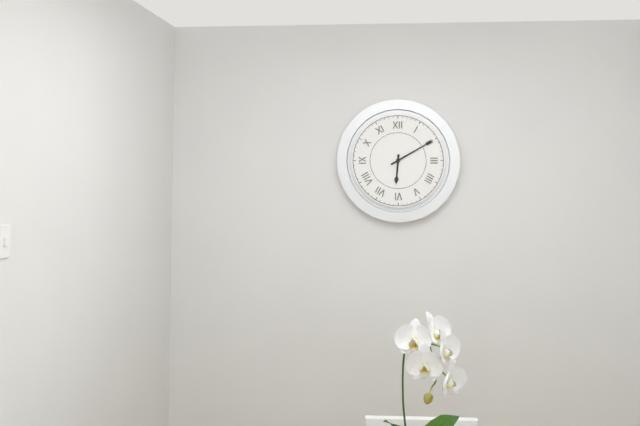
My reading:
h=6 m=10
